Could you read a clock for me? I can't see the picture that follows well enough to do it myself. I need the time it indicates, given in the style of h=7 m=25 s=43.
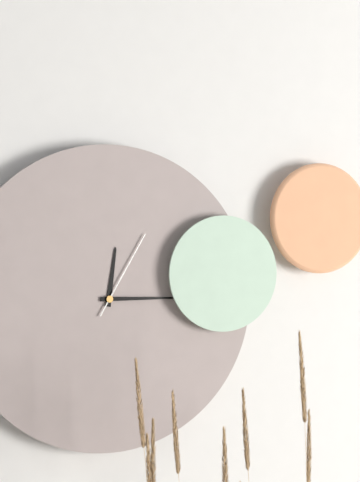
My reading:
h=12 m=15 s=5
